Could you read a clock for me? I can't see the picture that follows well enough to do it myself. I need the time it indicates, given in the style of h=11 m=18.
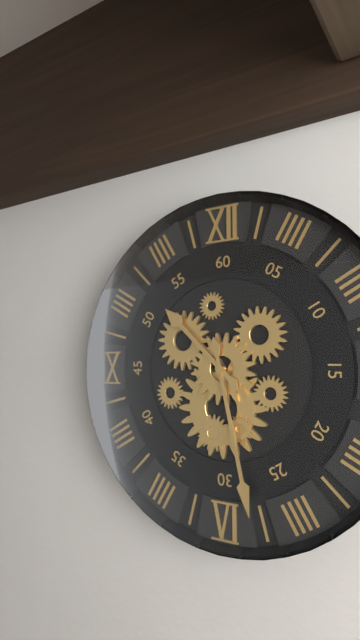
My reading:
h=10 m=28
